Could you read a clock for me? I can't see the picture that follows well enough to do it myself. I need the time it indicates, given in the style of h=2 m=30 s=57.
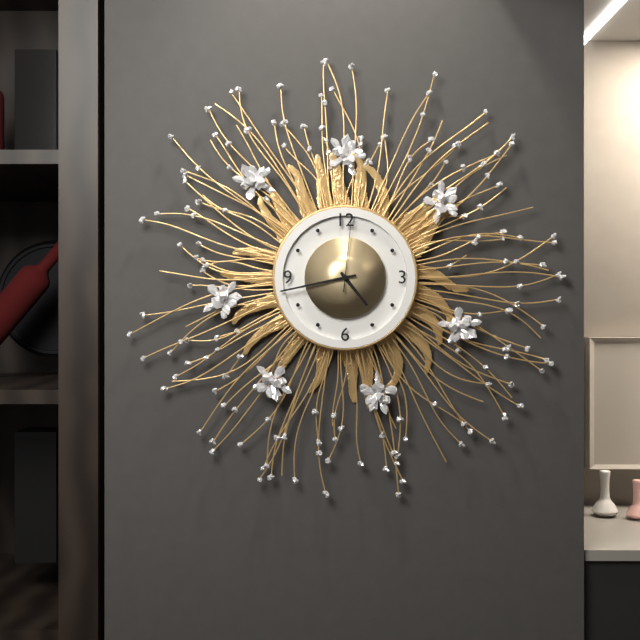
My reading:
h=4 m=43 s=1
